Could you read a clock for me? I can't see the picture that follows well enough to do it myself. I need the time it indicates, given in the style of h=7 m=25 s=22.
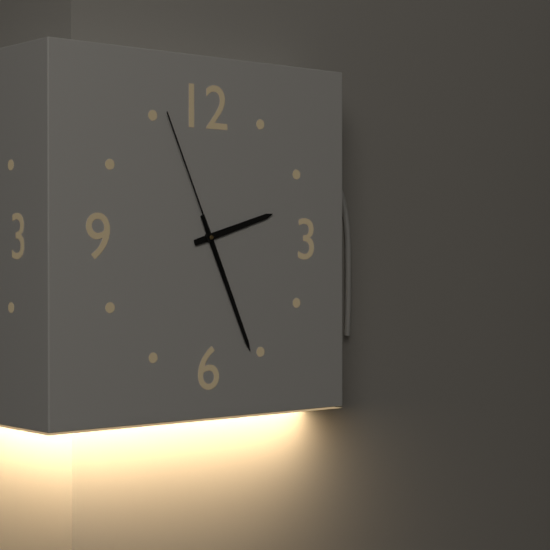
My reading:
h=2 m=26 s=56
